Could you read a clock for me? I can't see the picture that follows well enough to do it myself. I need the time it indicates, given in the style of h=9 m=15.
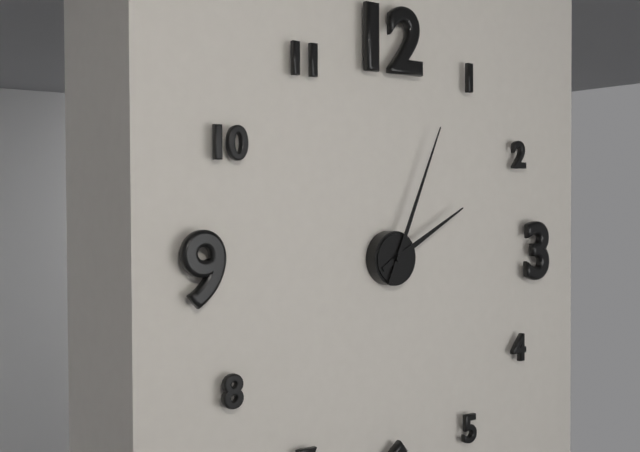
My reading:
h=2 m=4
